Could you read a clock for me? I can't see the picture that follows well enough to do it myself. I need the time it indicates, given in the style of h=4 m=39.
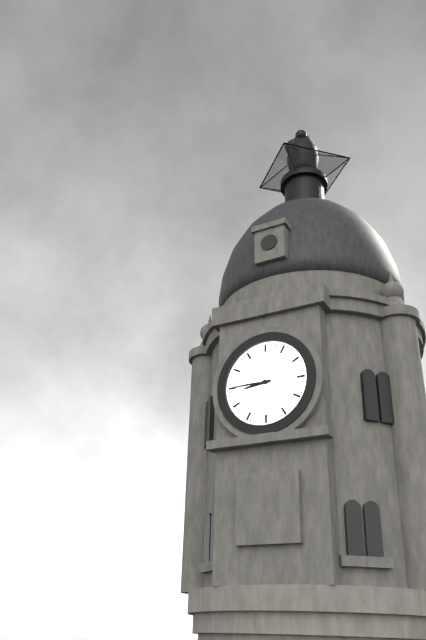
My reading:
h=8 m=45
